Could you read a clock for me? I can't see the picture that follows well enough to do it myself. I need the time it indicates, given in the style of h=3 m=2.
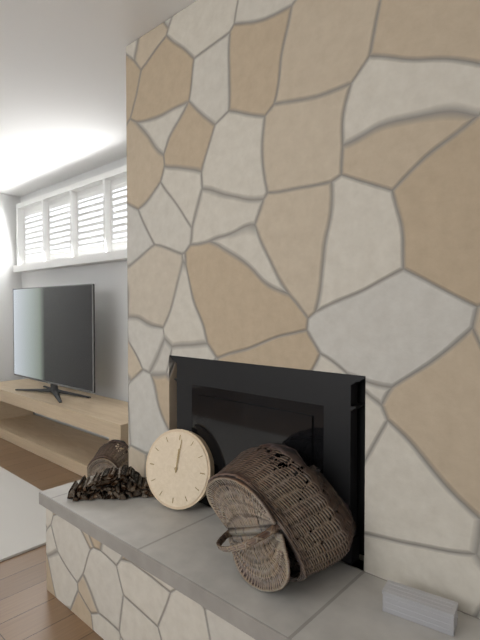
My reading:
h=12 m=1
